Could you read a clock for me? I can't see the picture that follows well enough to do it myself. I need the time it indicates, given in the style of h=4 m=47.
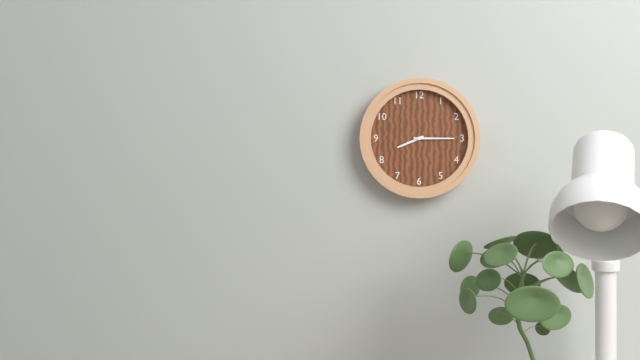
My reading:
h=8 m=15
